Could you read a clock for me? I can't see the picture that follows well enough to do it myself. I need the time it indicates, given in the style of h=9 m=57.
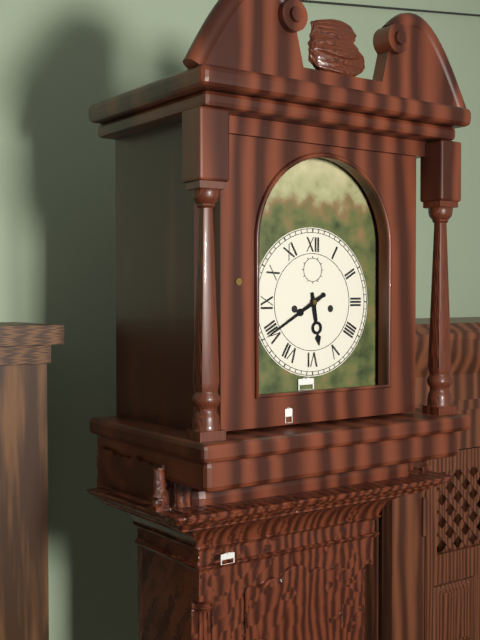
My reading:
h=5 m=40
